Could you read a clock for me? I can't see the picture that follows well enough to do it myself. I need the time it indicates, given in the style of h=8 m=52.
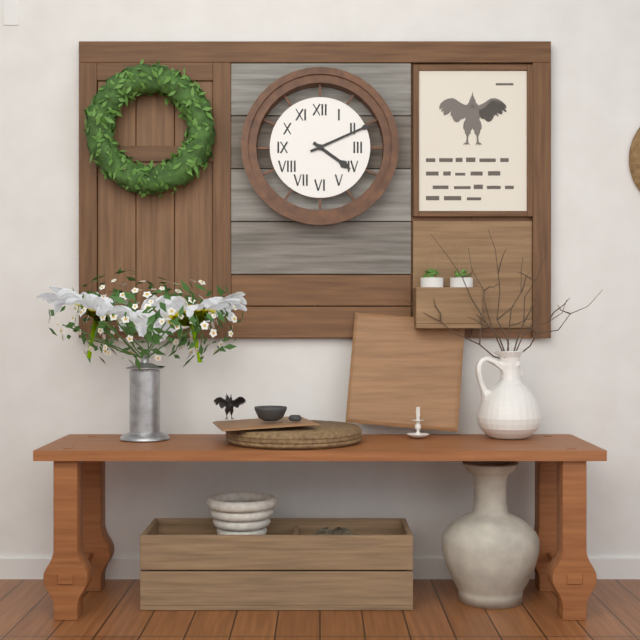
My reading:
h=4 m=11
